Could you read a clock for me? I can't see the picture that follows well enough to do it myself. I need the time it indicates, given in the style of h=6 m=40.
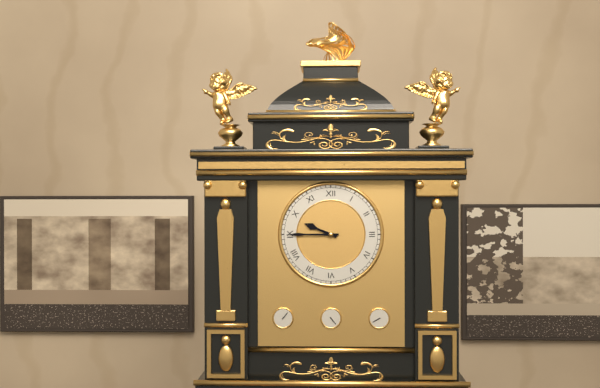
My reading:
h=9 m=45
